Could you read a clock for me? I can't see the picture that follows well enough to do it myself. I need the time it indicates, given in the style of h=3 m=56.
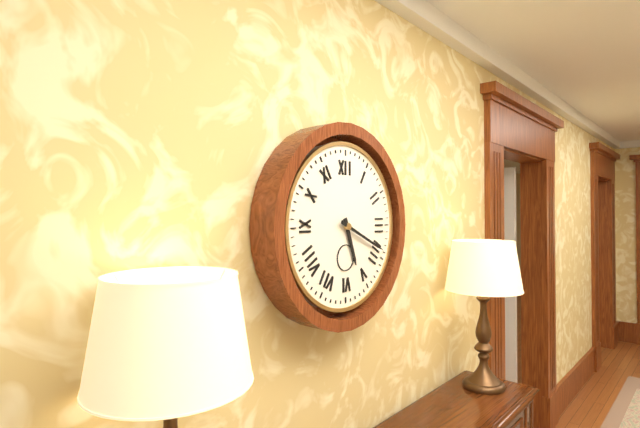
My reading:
h=5 m=19
